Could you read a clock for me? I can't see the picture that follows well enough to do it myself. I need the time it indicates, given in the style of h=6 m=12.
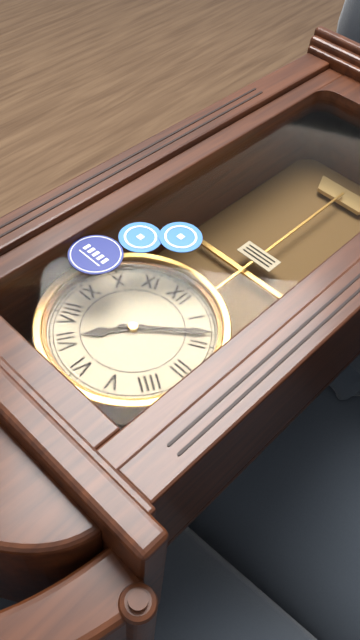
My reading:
h=7 m=8
